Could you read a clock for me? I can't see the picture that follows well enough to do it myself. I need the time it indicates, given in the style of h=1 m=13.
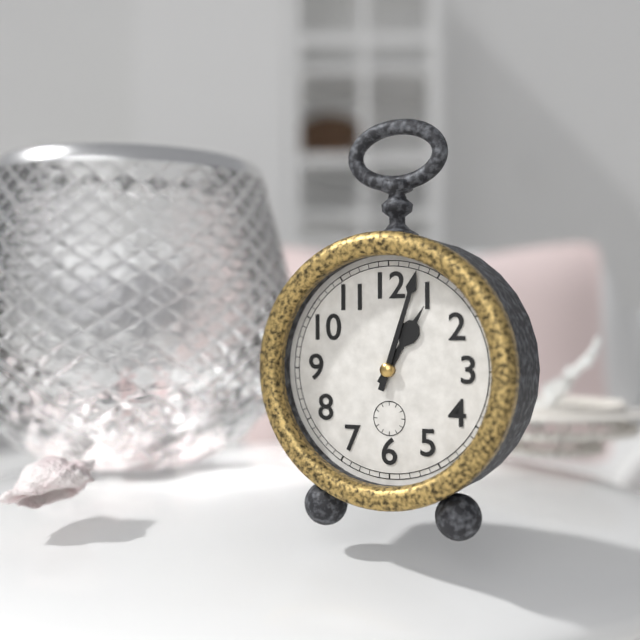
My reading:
h=1 m=3
